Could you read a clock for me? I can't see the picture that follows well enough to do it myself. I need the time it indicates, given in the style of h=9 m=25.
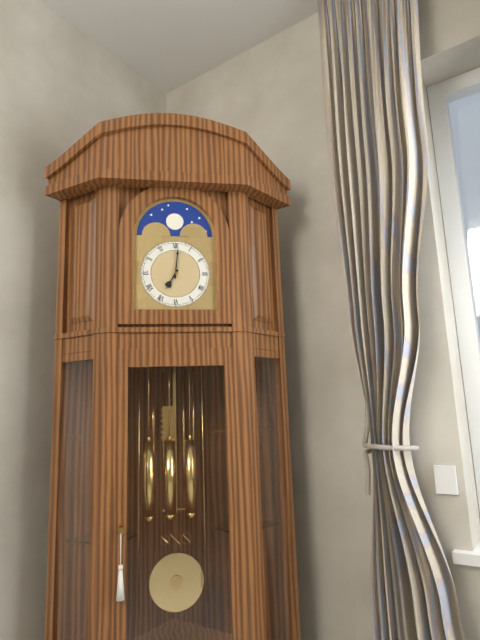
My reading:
h=7 m=1
